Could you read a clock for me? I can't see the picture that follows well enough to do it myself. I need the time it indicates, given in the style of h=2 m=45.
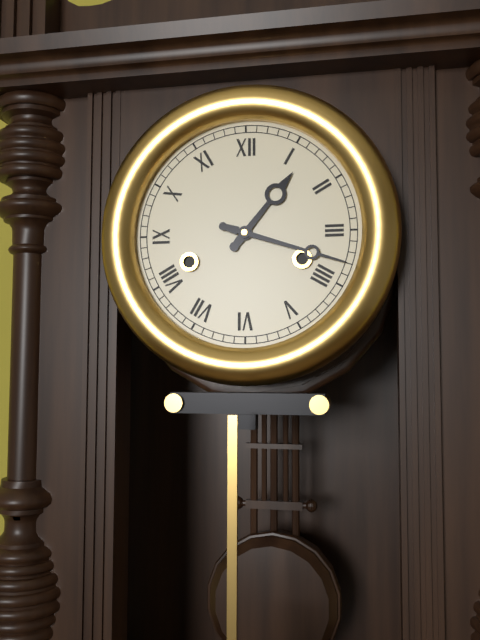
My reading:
h=1 m=18
